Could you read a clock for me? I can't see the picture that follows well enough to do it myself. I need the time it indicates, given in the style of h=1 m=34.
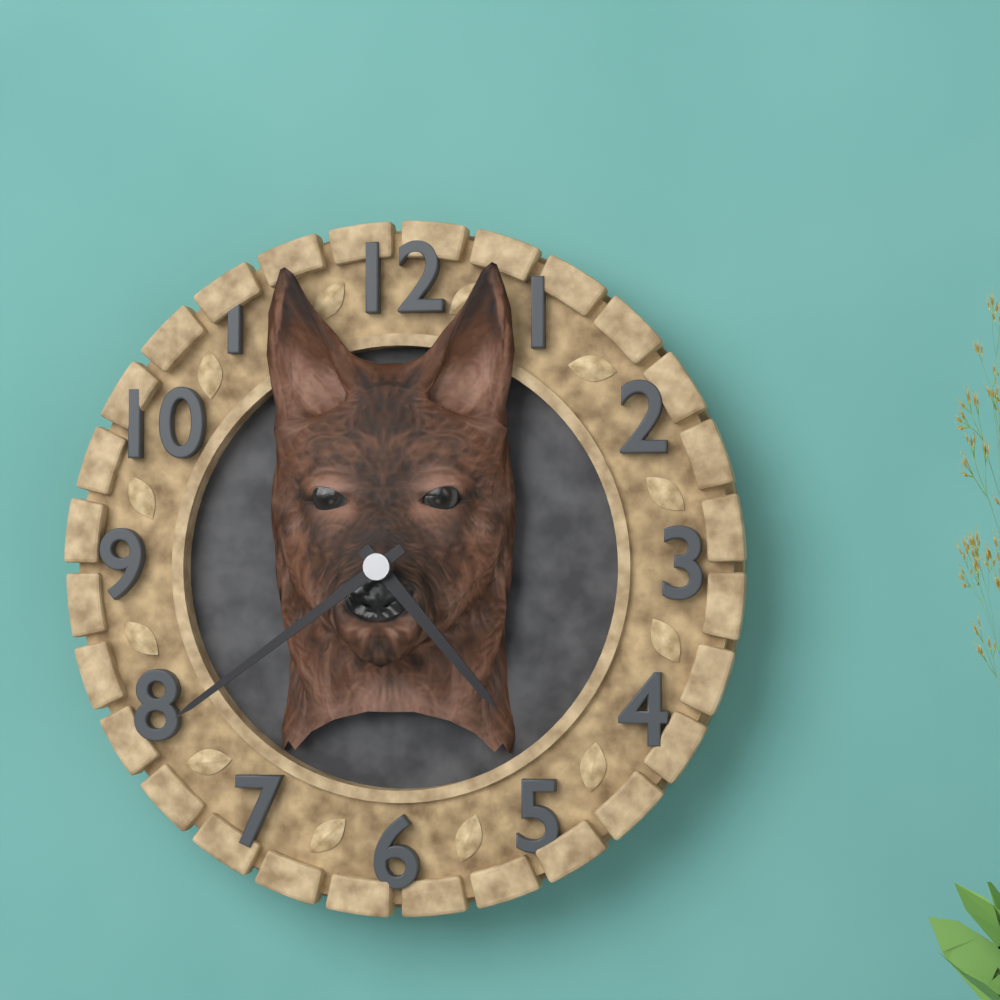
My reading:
h=4 m=39
